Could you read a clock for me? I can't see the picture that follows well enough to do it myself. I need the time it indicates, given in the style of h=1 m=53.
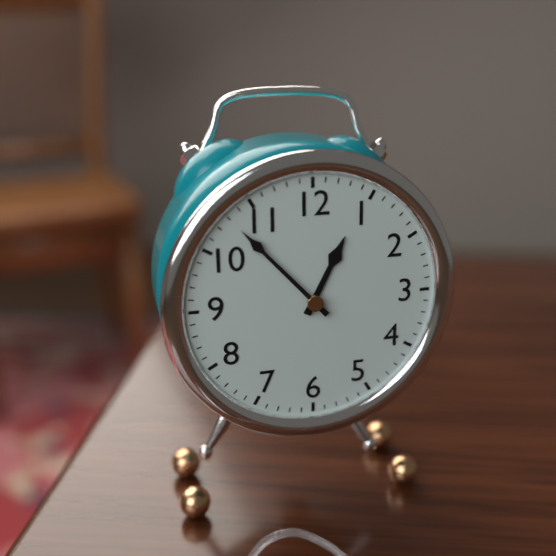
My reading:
h=12 m=53
